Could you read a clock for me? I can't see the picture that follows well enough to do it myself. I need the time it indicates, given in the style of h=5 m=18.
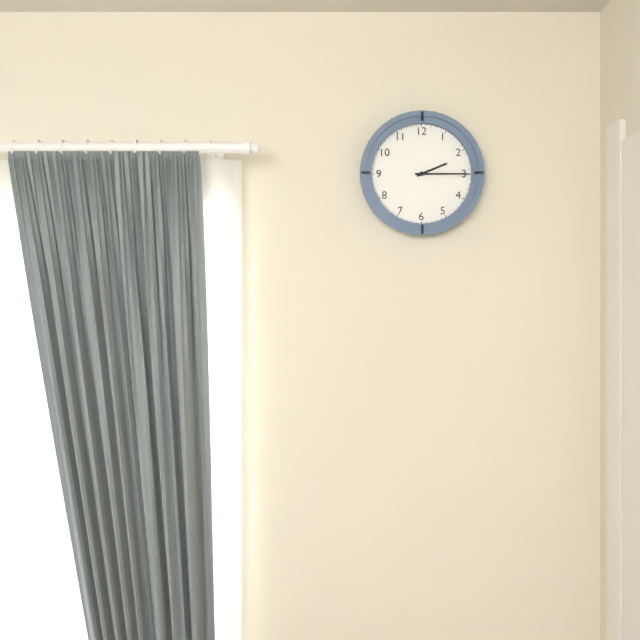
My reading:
h=2 m=15
